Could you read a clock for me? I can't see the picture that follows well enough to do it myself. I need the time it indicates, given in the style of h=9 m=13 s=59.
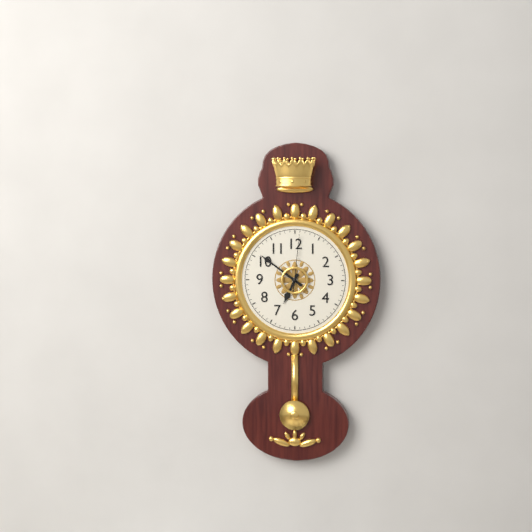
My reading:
h=6 m=51 s=1
